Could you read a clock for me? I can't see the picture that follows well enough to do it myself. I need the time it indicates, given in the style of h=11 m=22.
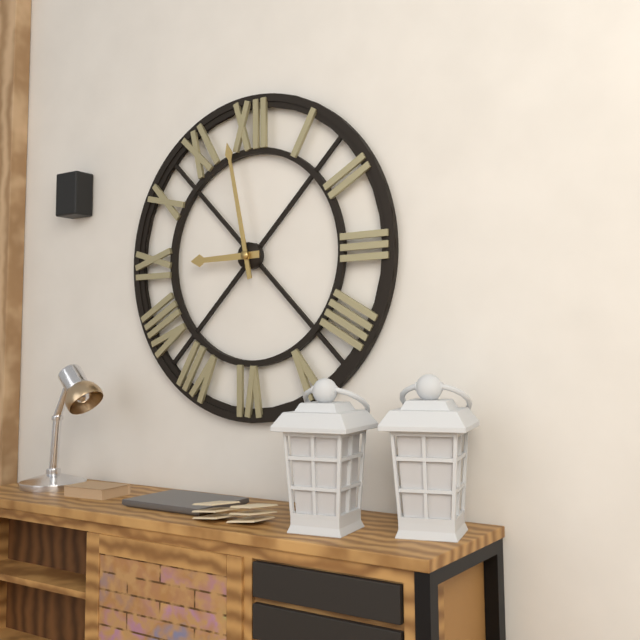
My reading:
h=8 m=58
